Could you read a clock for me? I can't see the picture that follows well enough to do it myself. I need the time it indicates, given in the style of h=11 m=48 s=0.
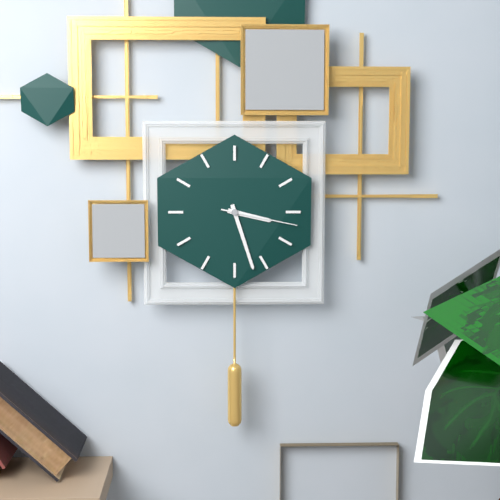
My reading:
h=3 m=27 s=17
